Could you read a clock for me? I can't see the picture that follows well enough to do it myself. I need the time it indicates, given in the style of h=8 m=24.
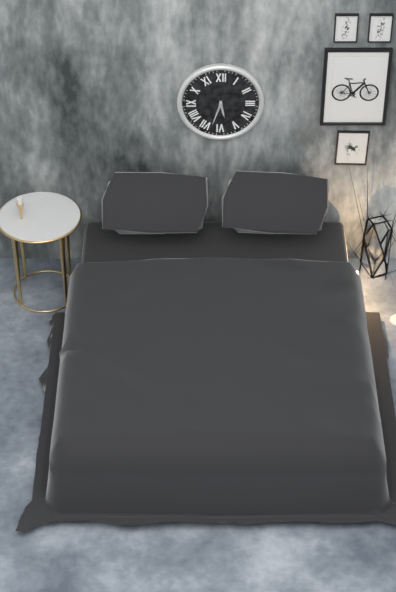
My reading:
h=5 m=33
